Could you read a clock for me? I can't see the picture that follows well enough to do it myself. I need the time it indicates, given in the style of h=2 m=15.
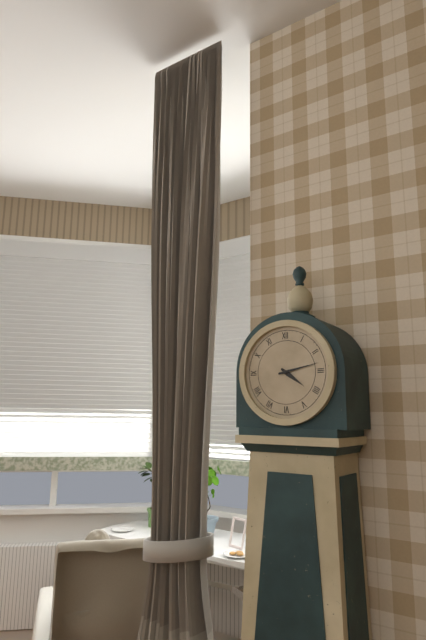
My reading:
h=4 m=13
